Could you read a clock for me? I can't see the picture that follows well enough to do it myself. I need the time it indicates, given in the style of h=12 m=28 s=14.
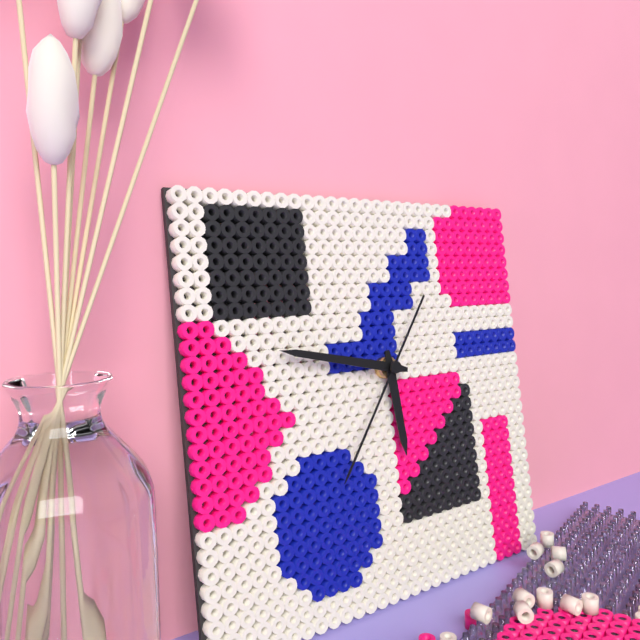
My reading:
h=5 m=47 s=36
